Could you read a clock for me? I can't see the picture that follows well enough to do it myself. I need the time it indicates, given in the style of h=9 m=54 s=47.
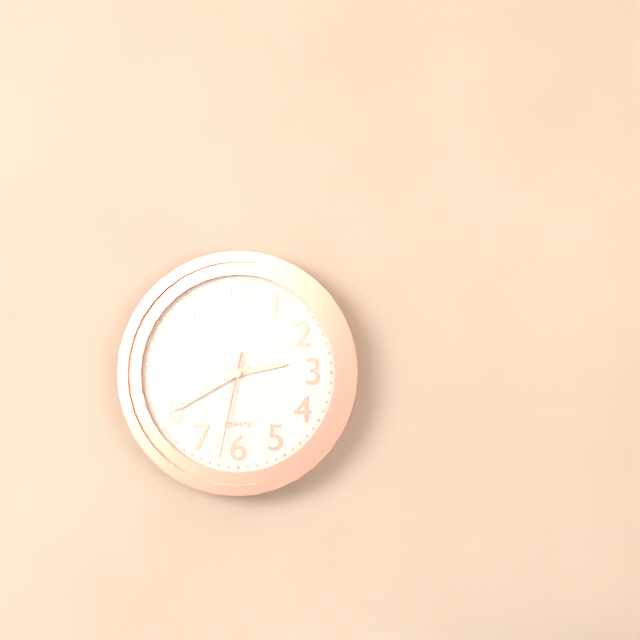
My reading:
h=2 m=40 s=32
